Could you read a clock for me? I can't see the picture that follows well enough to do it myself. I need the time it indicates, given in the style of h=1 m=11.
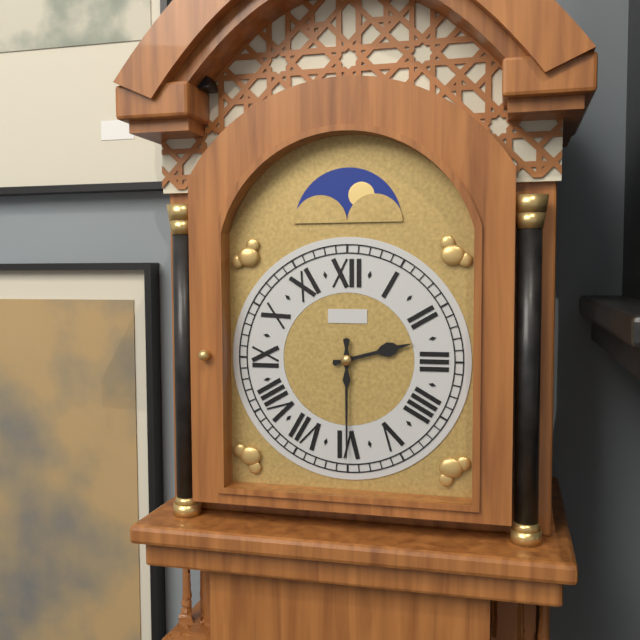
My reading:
h=2 m=30
